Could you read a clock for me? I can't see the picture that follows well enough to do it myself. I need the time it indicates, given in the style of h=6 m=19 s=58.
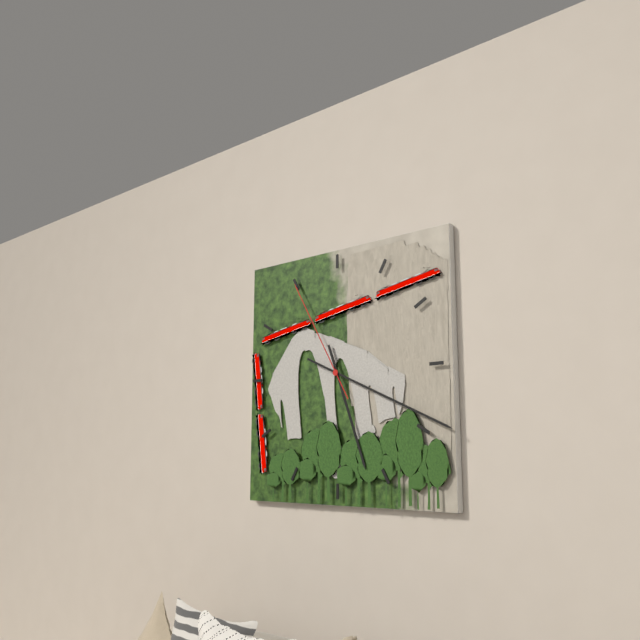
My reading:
h=5 m=19 s=55
